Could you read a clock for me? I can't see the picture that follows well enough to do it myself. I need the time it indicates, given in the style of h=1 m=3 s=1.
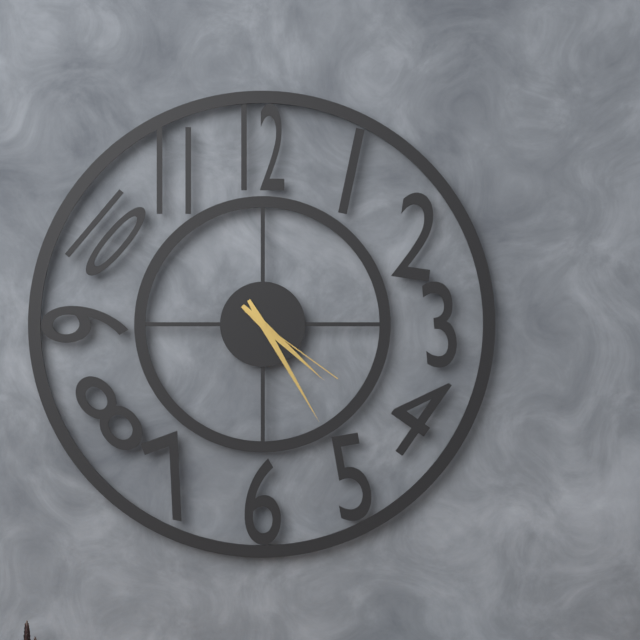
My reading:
h=4 m=25 s=21
